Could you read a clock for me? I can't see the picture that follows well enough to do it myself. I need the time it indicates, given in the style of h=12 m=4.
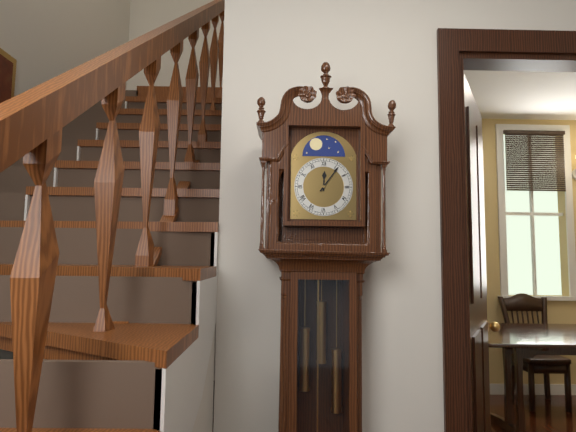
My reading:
h=12 m=6
